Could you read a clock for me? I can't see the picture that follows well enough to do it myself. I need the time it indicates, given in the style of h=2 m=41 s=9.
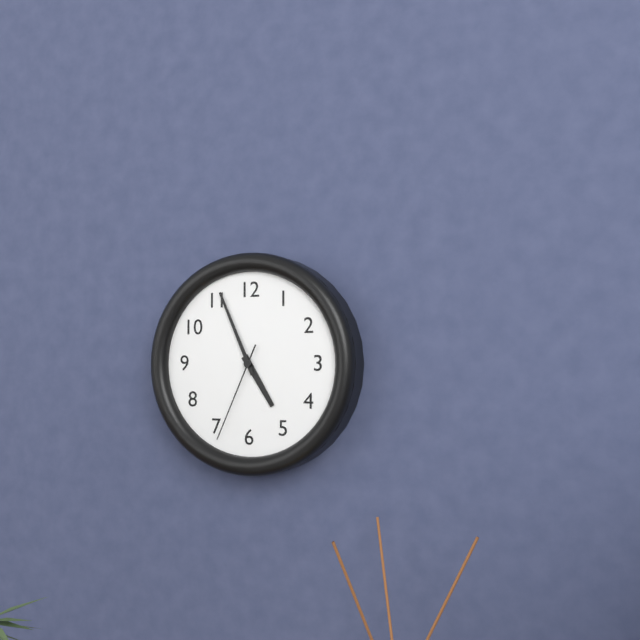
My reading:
h=4 m=56 s=34
